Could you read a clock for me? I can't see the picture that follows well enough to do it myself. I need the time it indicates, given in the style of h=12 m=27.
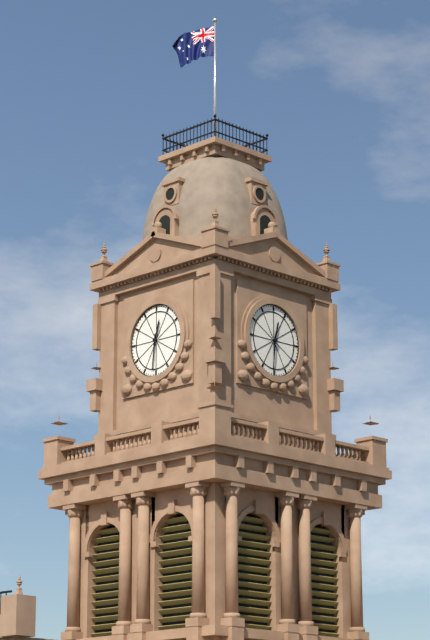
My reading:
h=12 m=31
